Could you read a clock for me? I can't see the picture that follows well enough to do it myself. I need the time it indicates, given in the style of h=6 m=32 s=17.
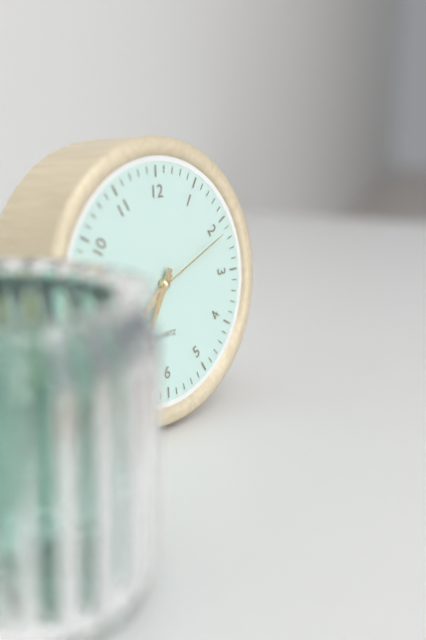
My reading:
h=7 m=35 s=11
